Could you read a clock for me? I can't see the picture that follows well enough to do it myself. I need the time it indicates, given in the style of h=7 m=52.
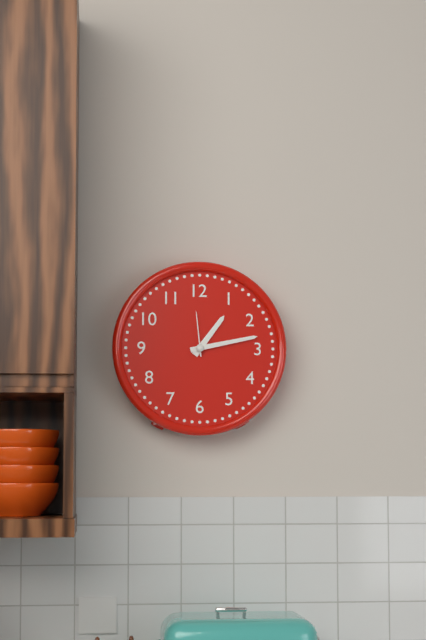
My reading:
h=1 m=13
